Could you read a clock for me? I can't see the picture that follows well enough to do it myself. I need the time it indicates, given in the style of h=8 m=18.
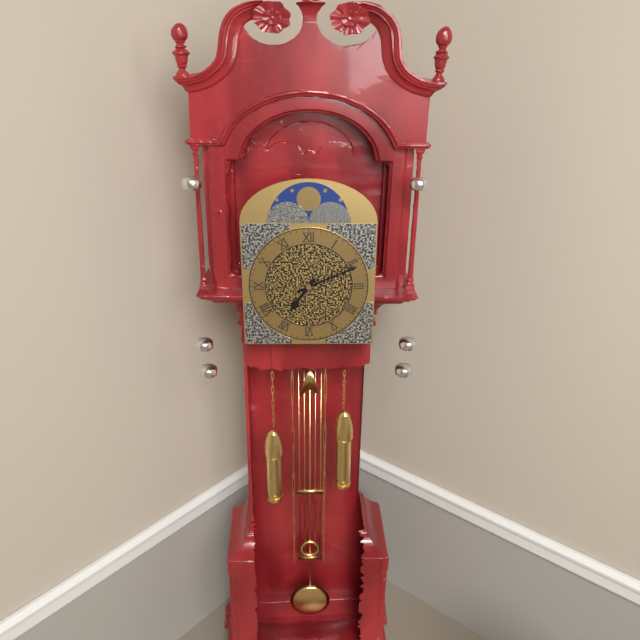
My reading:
h=7 m=11
